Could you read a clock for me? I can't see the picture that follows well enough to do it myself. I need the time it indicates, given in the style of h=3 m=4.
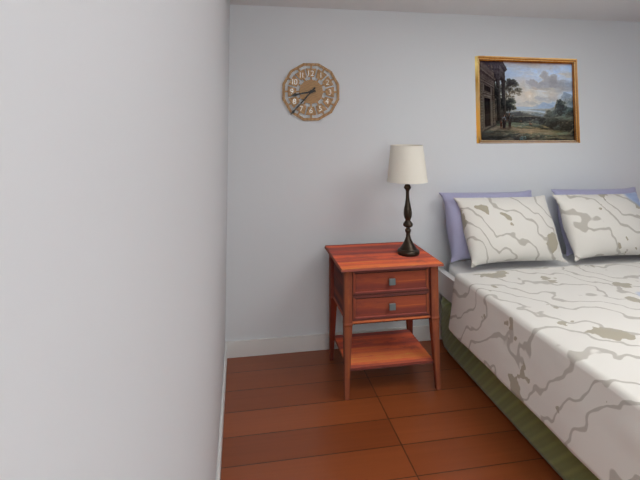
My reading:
h=8 m=37
